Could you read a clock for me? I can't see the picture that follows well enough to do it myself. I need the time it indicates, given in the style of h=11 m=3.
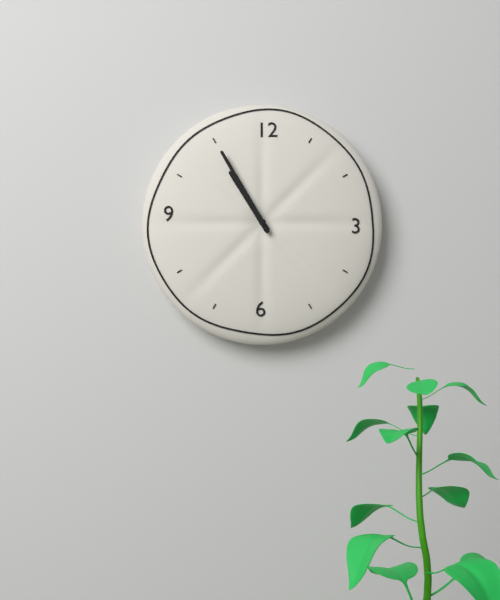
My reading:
h=10 m=55
